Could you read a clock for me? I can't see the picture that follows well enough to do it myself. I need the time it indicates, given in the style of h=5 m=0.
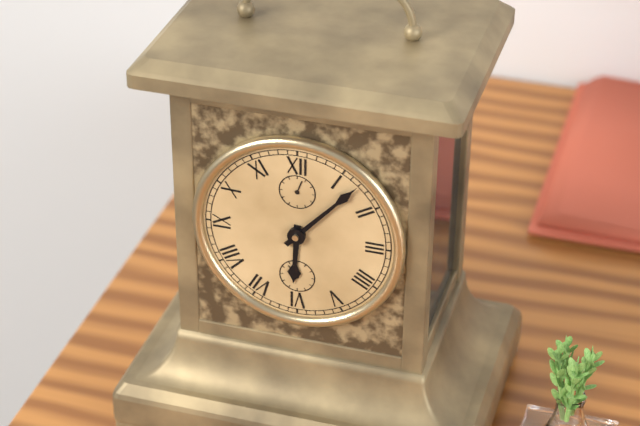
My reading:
h=6 m=7
